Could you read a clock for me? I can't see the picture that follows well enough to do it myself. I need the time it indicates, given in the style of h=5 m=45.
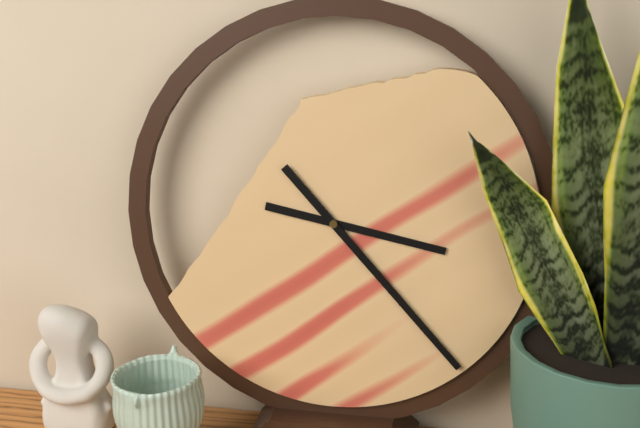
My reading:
h=3 m=23
